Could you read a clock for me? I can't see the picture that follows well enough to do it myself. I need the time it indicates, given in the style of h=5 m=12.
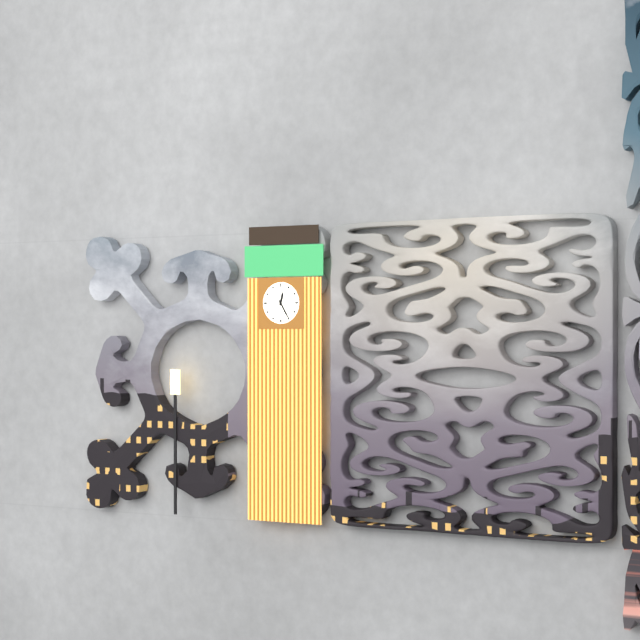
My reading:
h=12 m=25
